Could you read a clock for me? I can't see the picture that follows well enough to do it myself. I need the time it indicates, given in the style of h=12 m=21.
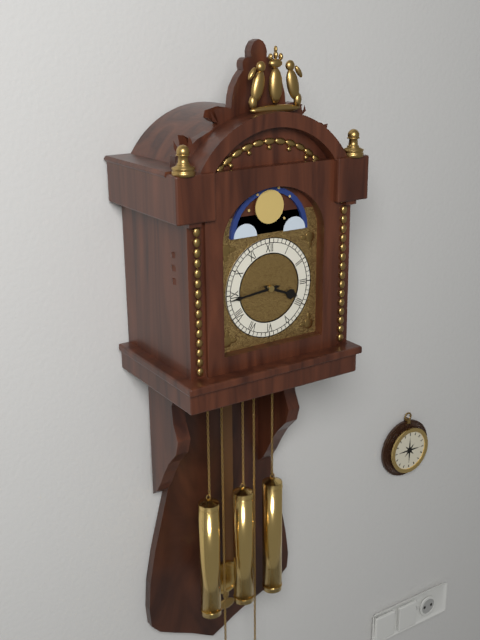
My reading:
h=3 m=44
